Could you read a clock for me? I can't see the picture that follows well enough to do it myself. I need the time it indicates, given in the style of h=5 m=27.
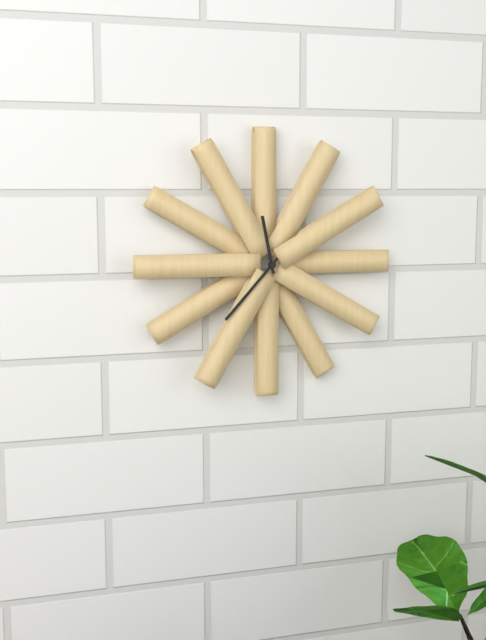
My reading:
h=11 m=37
